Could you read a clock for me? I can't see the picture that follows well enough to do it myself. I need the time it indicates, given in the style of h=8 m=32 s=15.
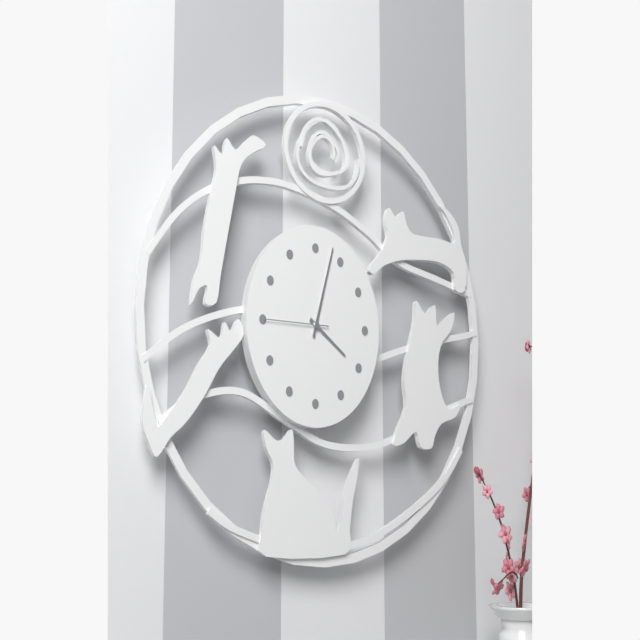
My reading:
h=4 m=3 s=45
